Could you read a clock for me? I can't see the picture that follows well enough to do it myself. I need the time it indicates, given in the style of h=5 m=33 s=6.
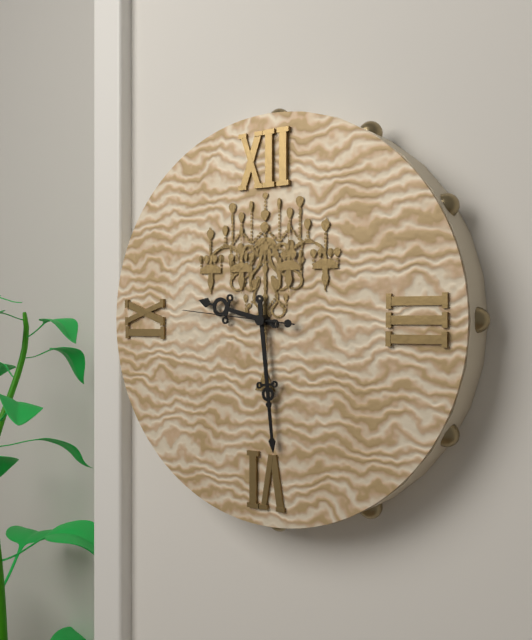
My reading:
h=9 m=29 s=46
